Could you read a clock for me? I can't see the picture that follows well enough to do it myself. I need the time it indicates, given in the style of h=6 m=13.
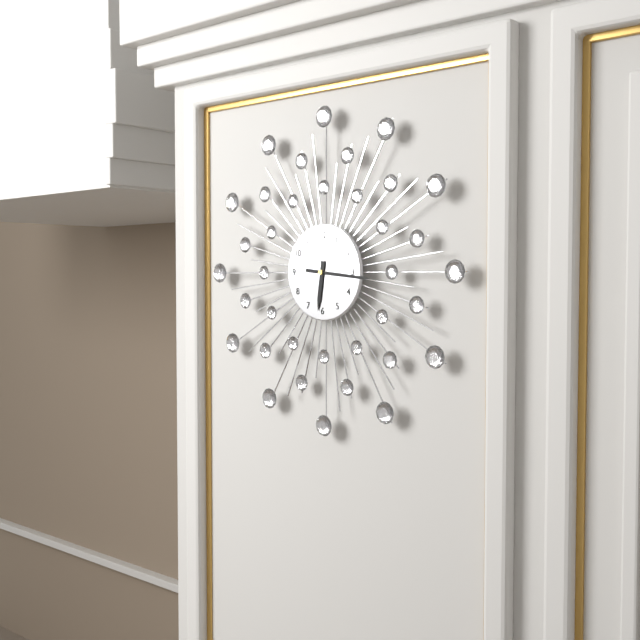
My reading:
h=6 m=16
